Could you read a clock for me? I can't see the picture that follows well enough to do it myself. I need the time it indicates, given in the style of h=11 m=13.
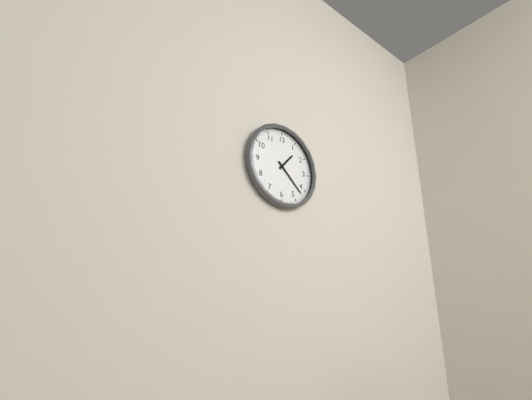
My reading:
h=1 m=22
